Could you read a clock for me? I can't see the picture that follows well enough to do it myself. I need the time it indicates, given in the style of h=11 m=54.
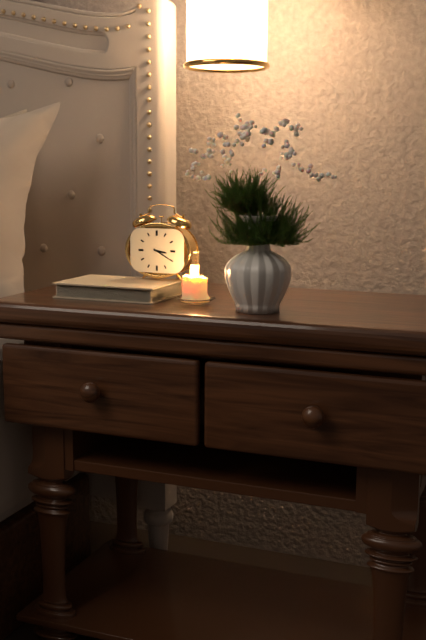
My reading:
h=3 m=20
